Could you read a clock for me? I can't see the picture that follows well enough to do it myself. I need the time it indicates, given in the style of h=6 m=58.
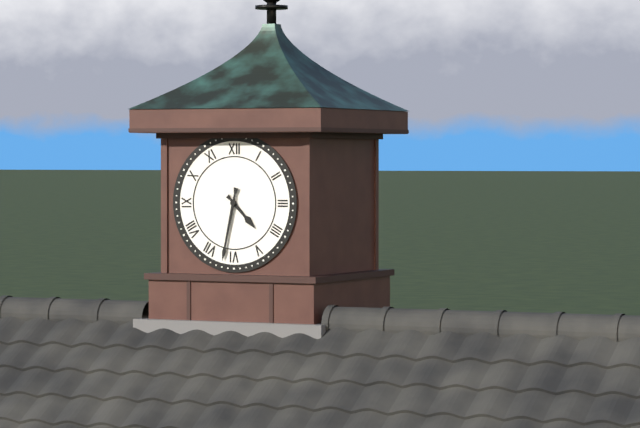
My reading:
h=4 m=32
